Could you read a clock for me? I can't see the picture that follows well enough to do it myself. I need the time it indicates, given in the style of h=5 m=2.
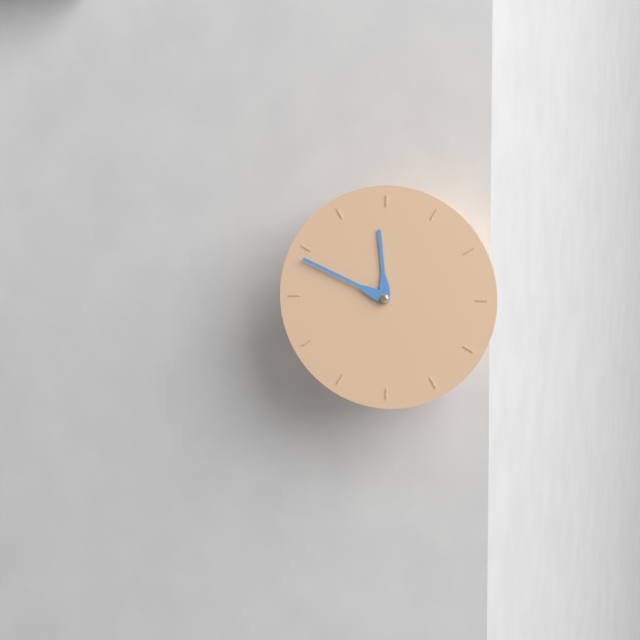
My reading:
h=11 m=49
